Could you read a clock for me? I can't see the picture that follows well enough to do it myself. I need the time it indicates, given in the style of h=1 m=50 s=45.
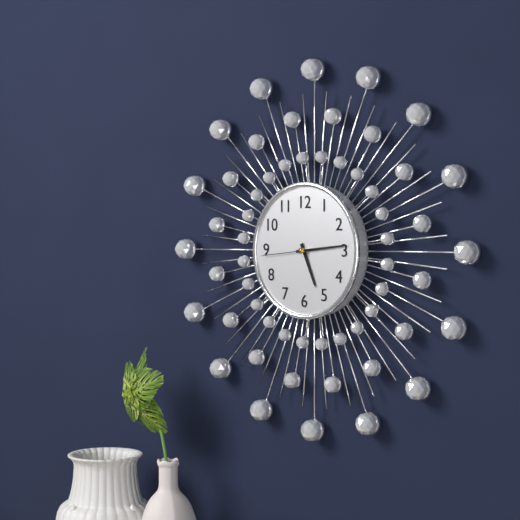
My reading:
h=5 m=14 s=44
